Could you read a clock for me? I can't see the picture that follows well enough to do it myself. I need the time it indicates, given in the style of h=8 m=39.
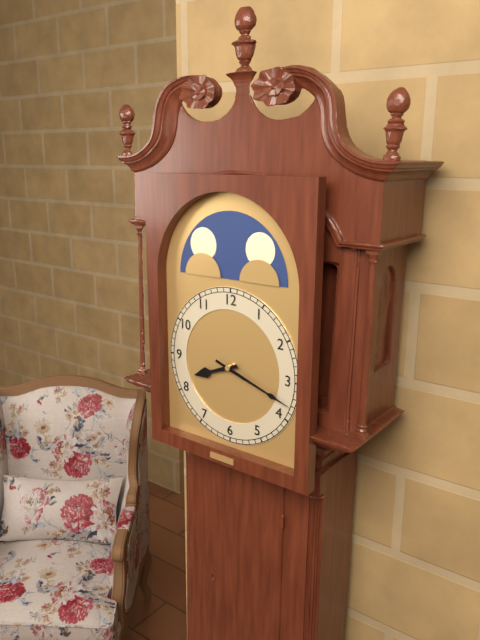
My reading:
h=8 m=18
